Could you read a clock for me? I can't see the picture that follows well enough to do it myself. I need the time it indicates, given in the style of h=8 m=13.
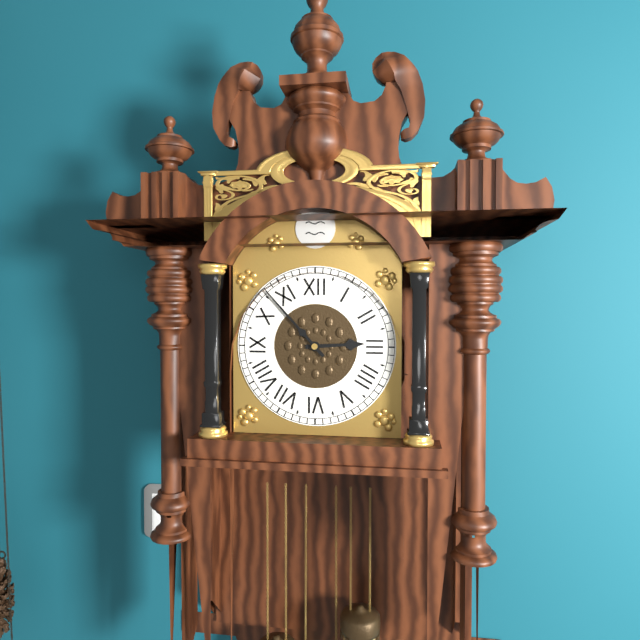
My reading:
h=2 m=53
